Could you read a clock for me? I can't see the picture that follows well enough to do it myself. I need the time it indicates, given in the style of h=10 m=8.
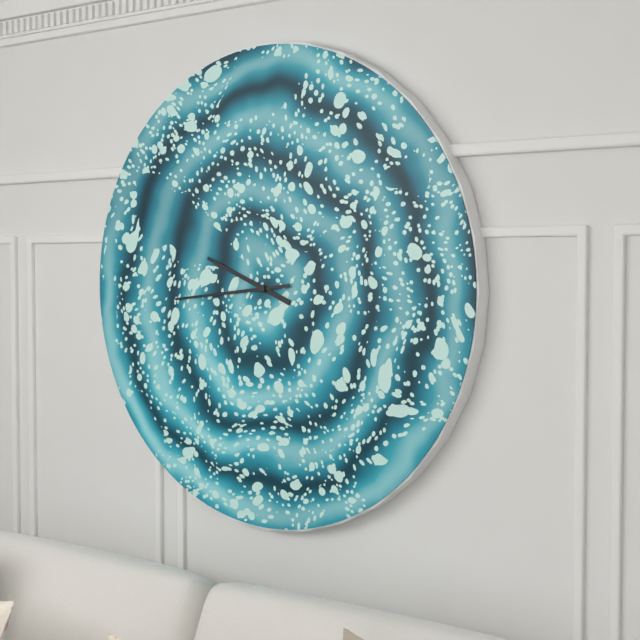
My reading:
h=9 m=44
